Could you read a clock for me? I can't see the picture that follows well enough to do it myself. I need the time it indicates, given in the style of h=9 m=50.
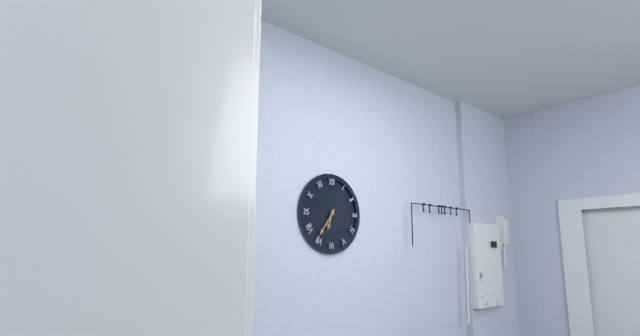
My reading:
h=6 m=36
